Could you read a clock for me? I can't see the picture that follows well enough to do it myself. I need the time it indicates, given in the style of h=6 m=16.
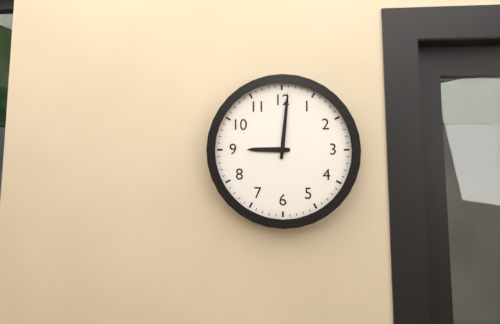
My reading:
h=9 m=1
